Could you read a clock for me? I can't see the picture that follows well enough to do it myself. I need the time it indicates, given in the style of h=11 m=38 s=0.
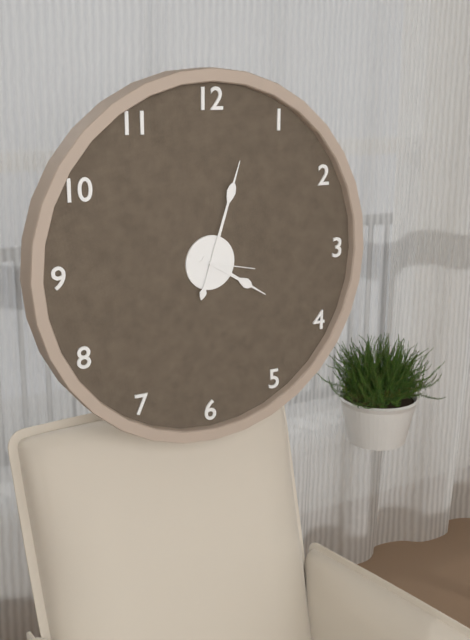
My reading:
h=4 m=3 s=17
